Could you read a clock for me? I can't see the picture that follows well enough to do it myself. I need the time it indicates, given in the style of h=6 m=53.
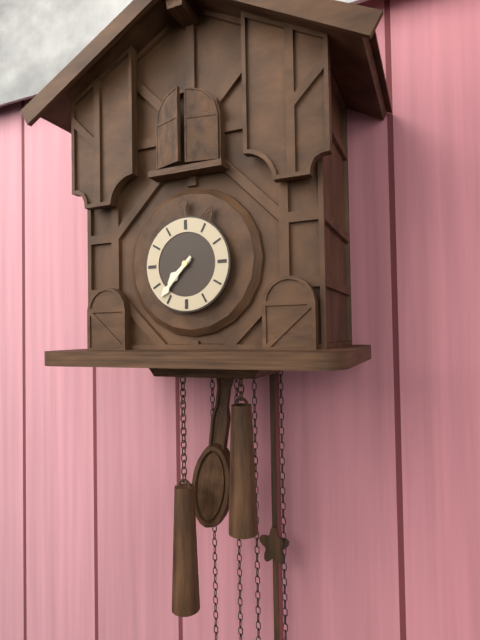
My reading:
h=7 m=37
